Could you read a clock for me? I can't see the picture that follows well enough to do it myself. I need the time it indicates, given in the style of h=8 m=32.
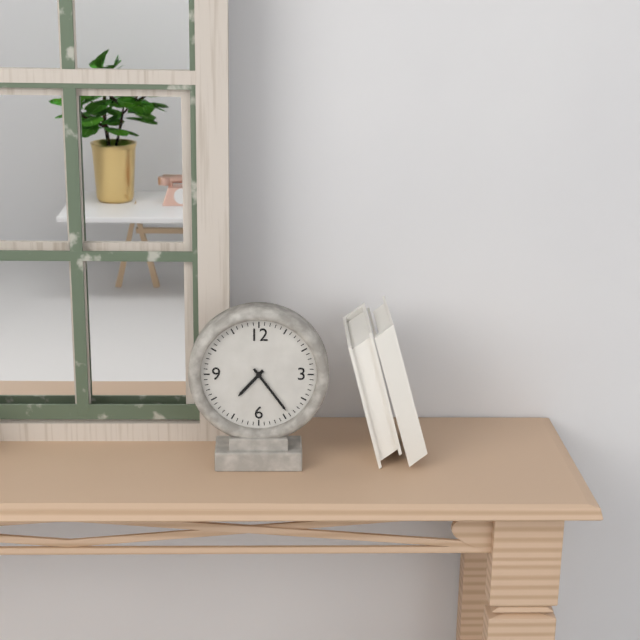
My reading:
h=7 m=24
